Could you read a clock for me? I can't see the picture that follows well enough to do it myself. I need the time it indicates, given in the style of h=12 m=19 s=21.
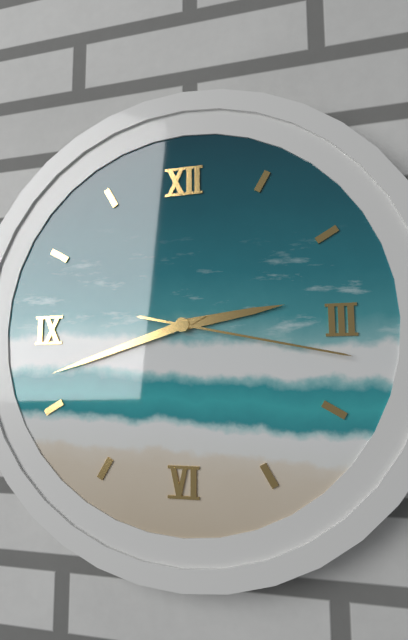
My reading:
h=2 m=42 s=17
